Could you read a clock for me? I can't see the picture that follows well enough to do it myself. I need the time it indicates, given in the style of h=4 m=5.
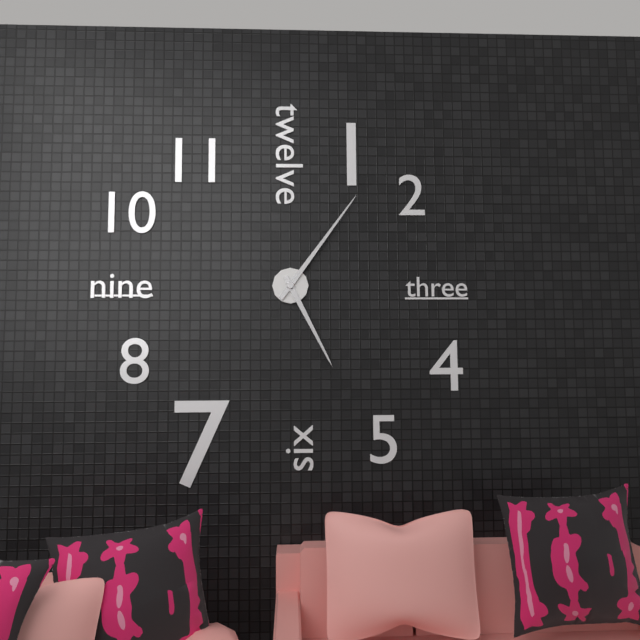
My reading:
h=5 m=6
